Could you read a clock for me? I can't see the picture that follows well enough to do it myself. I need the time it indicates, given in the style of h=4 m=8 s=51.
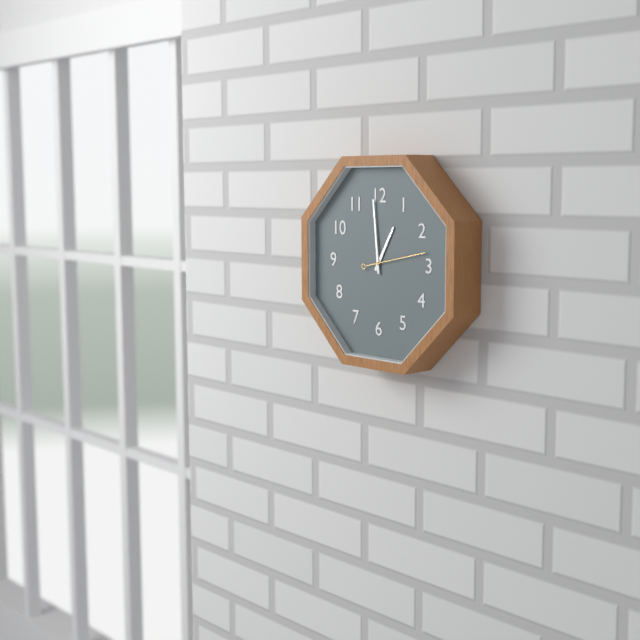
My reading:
h=12 m=59 s=13
